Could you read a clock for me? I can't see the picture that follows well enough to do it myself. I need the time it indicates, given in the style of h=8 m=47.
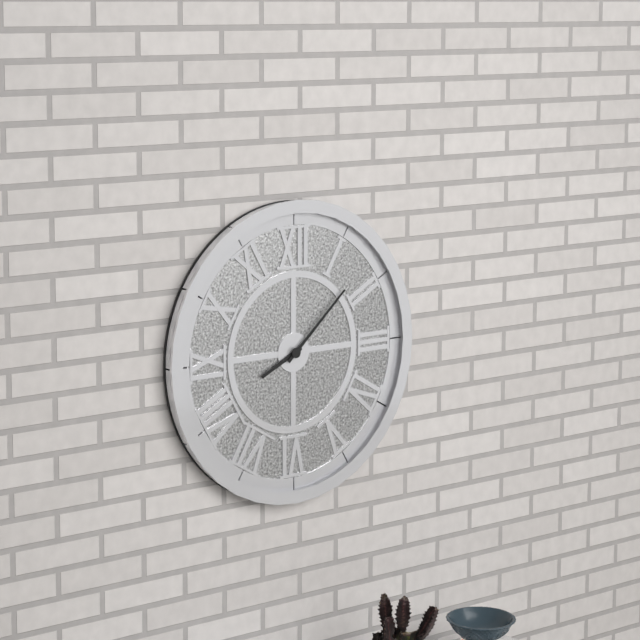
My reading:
h=8 m=8
